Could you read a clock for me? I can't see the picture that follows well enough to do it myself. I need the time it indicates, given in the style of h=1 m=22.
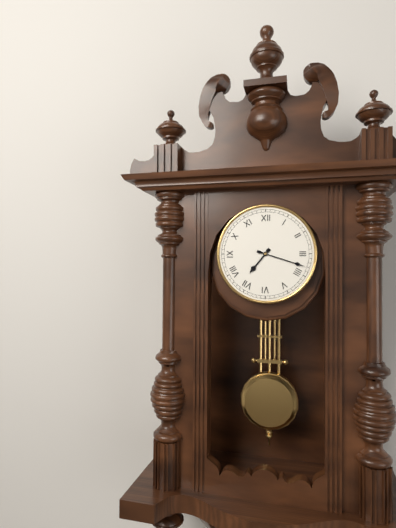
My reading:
h=7 m=18
